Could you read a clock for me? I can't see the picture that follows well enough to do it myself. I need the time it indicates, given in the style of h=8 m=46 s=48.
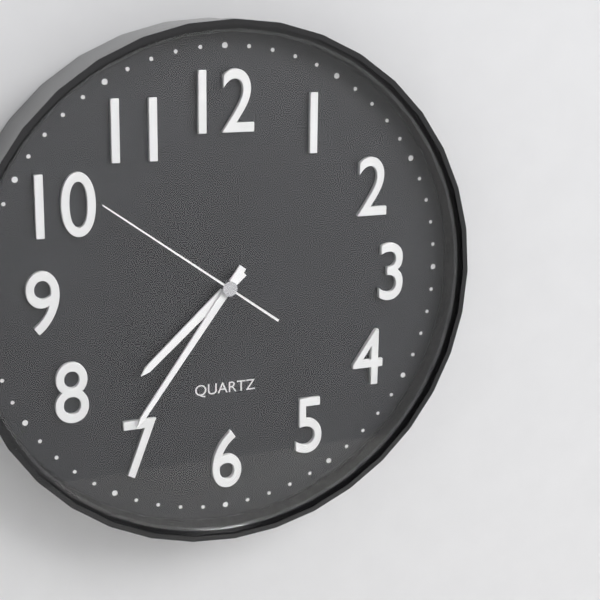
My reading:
h=7 m=36 s=51
